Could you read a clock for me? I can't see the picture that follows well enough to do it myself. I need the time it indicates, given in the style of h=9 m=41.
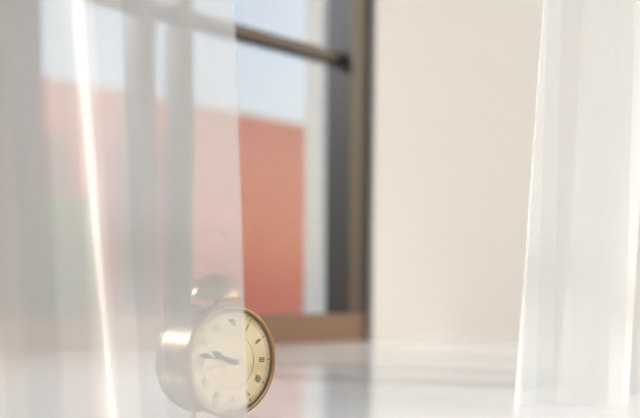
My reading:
h=9 m=47
